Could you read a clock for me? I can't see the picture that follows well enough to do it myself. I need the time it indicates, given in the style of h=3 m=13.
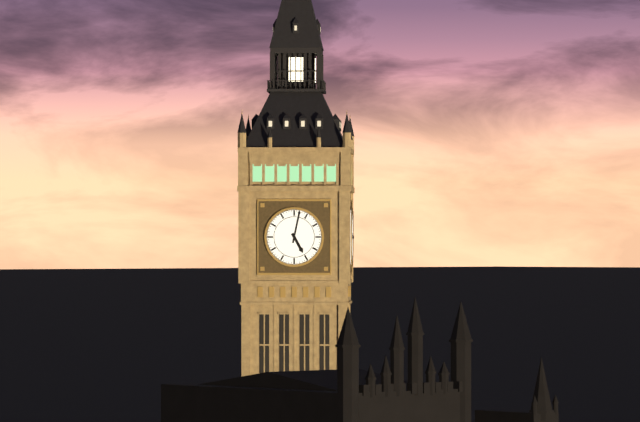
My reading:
h=5 m=2
